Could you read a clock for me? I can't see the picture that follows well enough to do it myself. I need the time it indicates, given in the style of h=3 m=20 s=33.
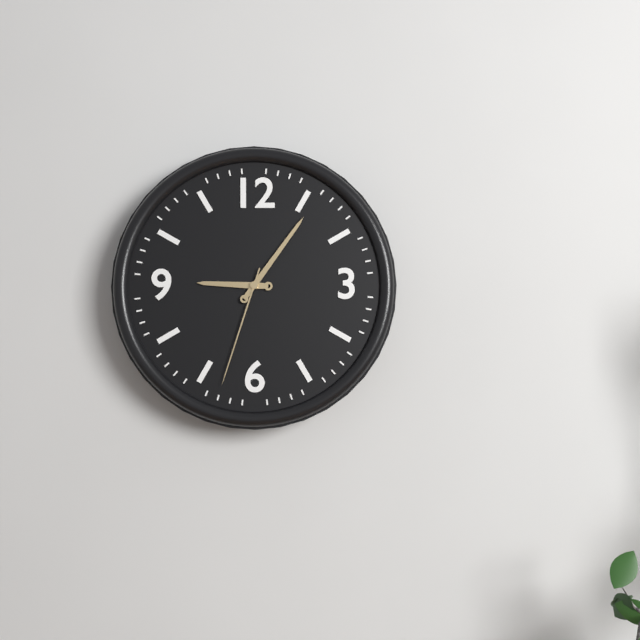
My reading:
h=9 m=6 s=33
